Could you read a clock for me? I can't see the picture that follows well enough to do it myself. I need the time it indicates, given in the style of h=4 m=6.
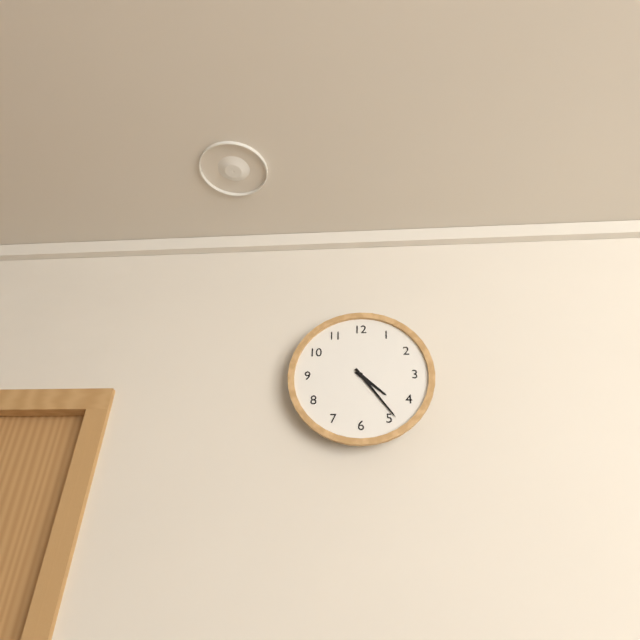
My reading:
h=4 m=24
